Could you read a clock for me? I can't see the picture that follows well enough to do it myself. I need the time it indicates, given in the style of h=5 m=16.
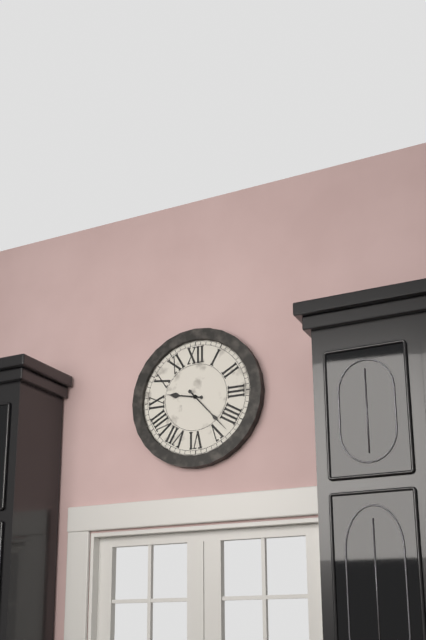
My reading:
h=9 m=23
